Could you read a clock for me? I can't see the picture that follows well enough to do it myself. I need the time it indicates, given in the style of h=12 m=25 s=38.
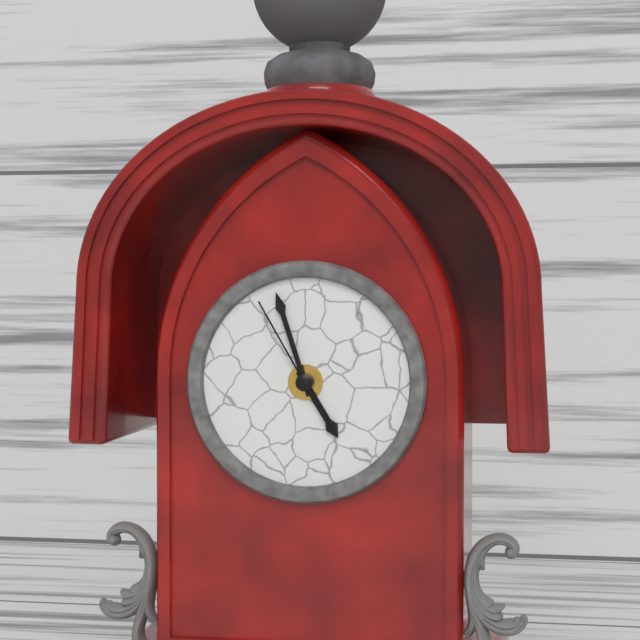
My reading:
h=4 m=57 s=55
